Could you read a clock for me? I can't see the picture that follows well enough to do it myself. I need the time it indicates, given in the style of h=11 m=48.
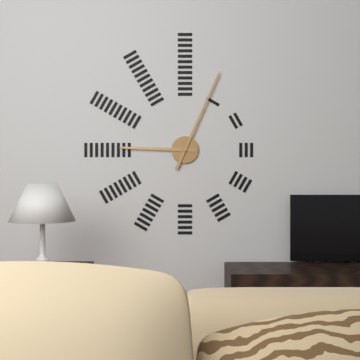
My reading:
h=9 m=4
